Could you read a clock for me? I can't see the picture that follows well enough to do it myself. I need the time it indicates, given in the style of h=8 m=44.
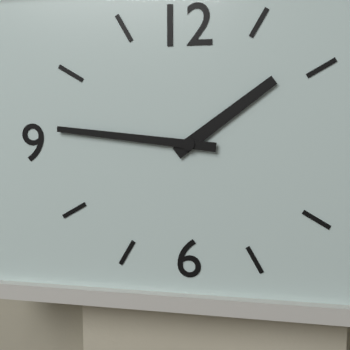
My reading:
h=1 m=46
